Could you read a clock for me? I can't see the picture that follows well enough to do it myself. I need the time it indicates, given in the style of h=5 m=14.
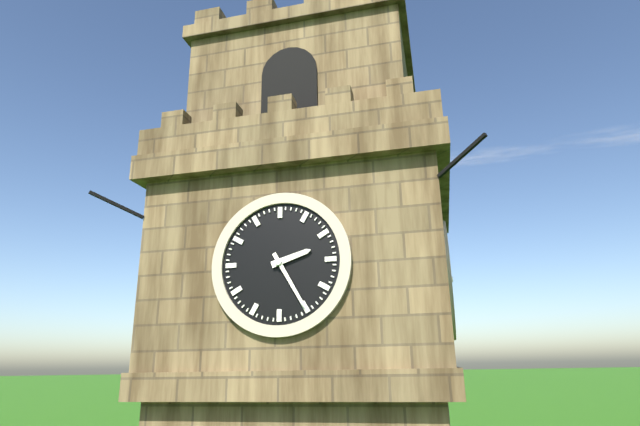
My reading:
h=2 m=25
